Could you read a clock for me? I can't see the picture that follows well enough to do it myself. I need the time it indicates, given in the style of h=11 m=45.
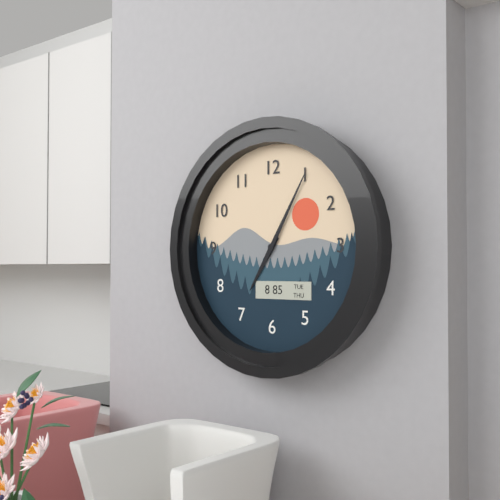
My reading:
h=7 m=5
